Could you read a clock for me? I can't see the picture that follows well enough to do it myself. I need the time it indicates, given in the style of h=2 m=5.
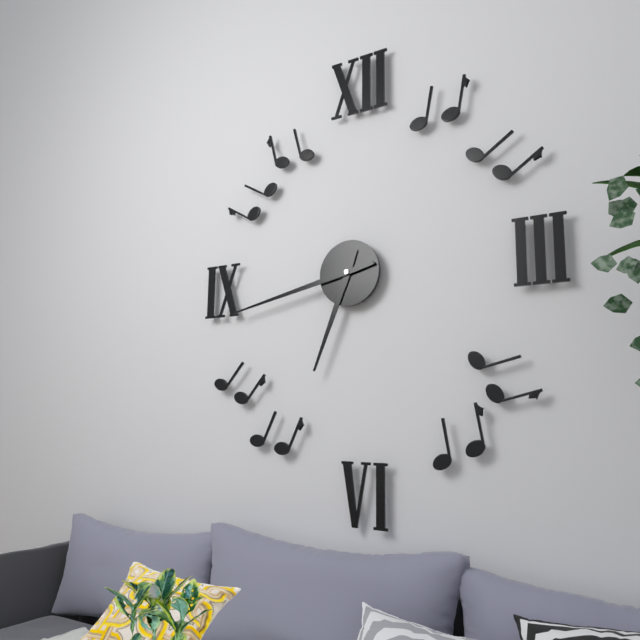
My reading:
h=6 m=43
